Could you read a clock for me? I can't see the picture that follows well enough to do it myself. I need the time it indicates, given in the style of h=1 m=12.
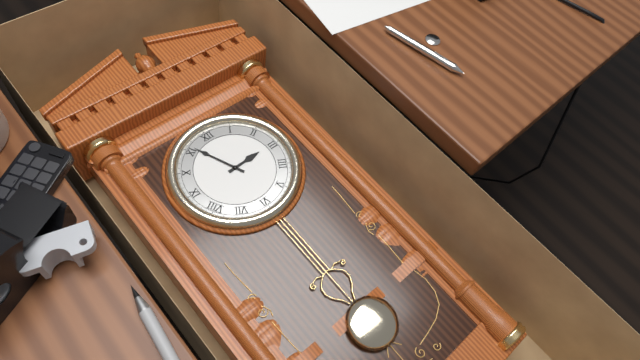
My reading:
h=2 m=56
